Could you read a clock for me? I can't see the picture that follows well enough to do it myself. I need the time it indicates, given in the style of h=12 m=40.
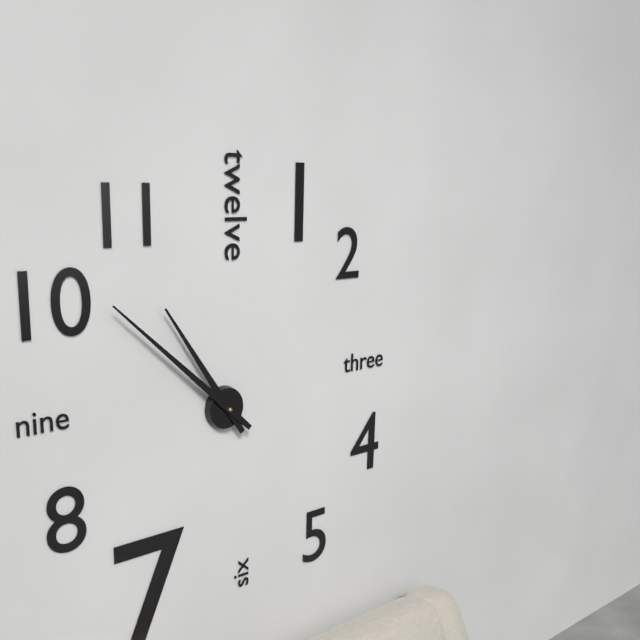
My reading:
h=10 m=52
